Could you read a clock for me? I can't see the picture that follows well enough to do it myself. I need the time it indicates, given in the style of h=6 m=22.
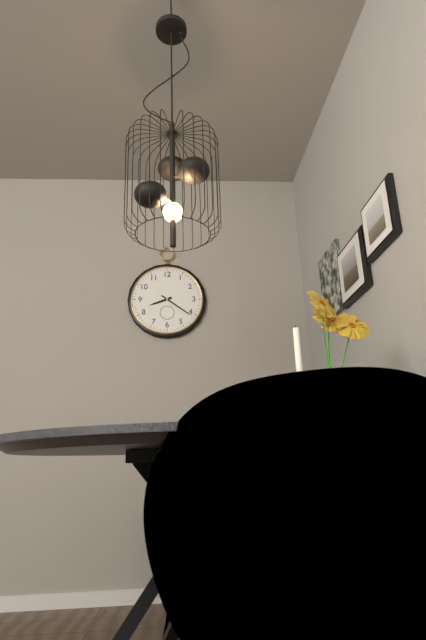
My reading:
h=8 m=21
